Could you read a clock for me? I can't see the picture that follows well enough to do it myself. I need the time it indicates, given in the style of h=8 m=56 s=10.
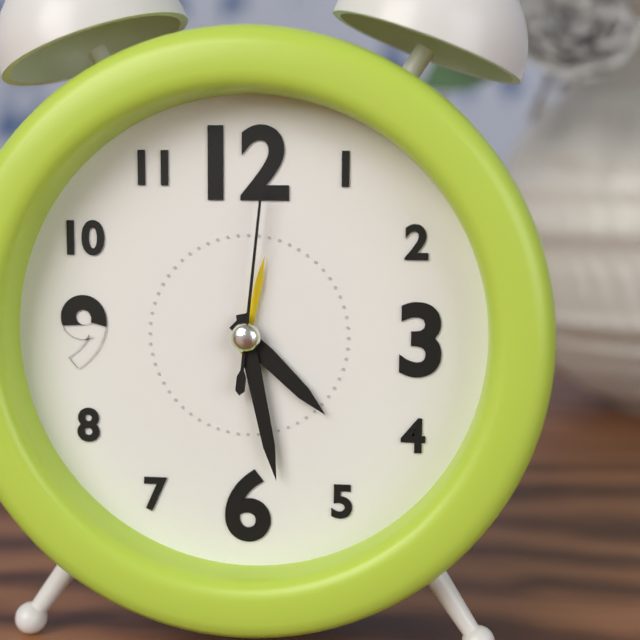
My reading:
h=4 m=28 s=1
